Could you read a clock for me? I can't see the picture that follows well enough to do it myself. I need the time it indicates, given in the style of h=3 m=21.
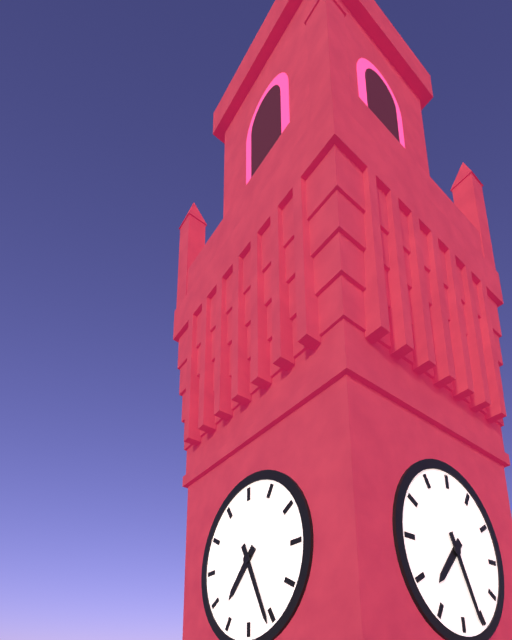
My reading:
h=7 m=26
